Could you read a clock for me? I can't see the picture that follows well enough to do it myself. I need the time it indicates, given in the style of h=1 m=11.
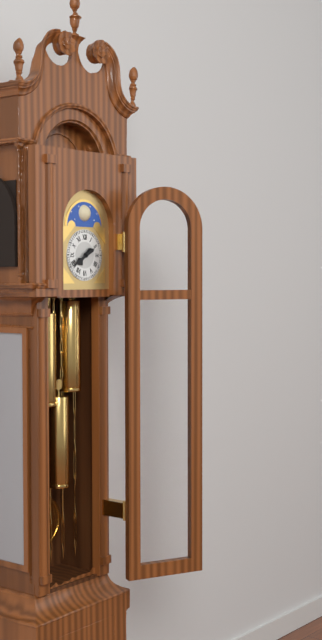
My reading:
h=7 m=40
